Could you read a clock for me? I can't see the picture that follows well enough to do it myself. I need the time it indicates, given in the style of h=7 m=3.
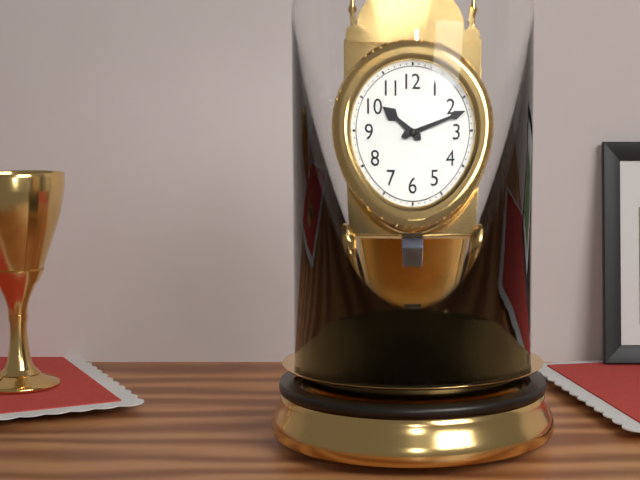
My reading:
h=10 m=12
